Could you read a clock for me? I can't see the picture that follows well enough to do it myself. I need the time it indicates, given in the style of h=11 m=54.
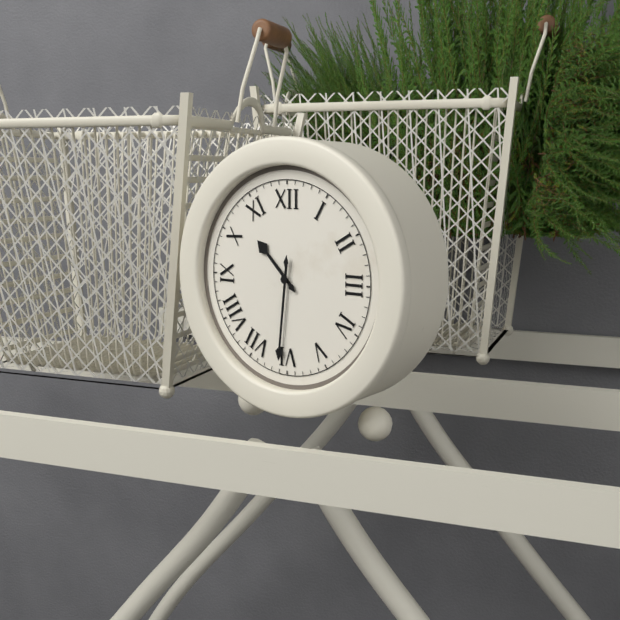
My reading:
h=10 m=31
